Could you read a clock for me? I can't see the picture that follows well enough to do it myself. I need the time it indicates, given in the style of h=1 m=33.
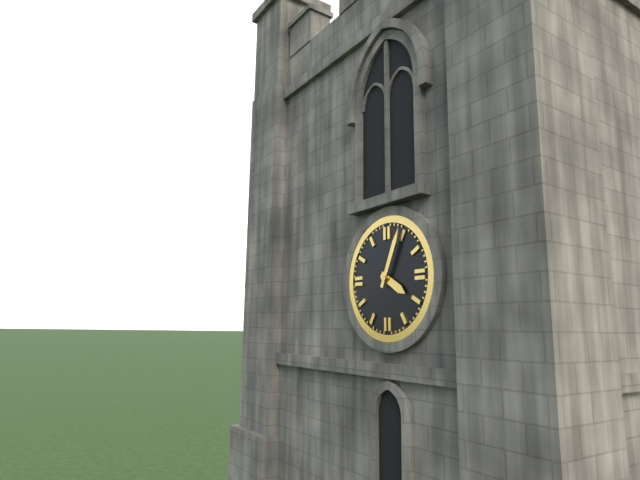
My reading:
h=4 m=4
